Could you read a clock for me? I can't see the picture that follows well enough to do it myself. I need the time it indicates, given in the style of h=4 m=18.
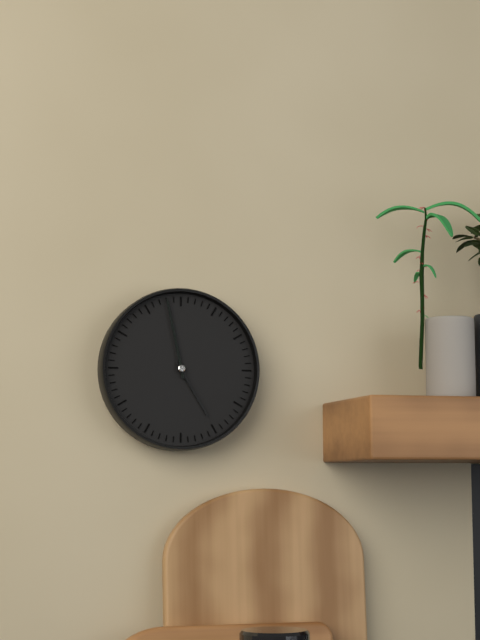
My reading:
h=4 m=58
